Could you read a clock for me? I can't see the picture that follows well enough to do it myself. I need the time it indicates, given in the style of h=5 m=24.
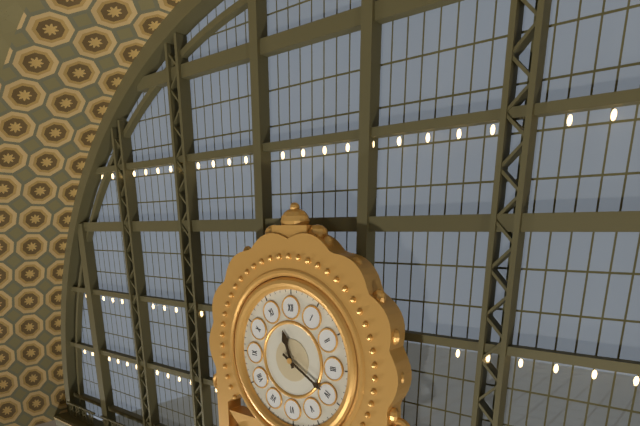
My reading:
h=11 m=20
